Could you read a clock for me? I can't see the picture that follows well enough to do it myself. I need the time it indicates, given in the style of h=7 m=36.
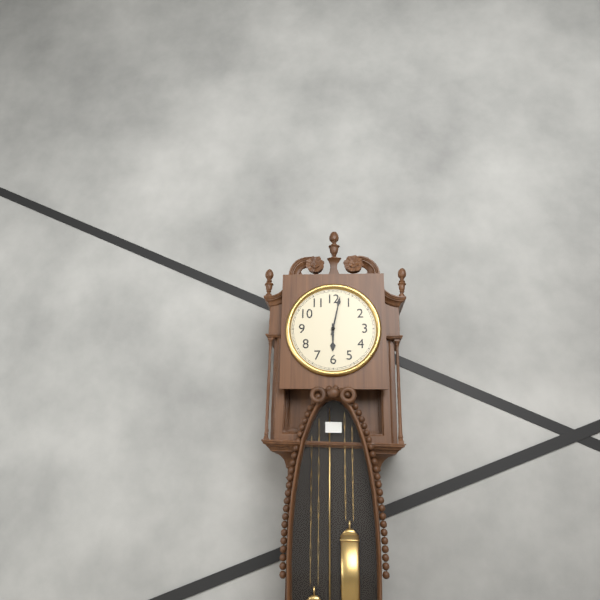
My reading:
h=6 m=2
